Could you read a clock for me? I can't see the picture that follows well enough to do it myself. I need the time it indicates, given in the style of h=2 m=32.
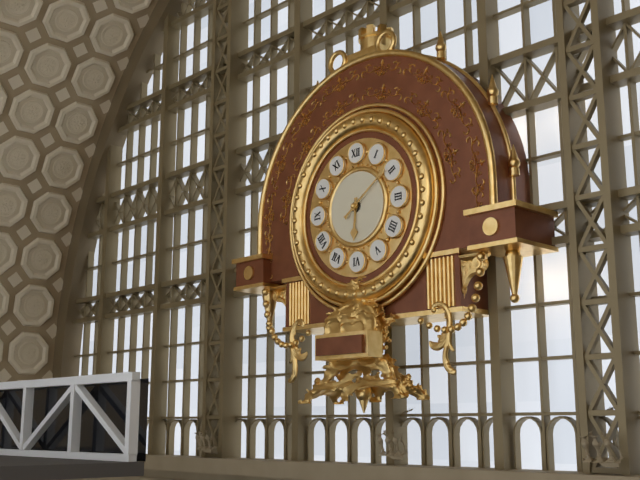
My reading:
h=6 m=9
